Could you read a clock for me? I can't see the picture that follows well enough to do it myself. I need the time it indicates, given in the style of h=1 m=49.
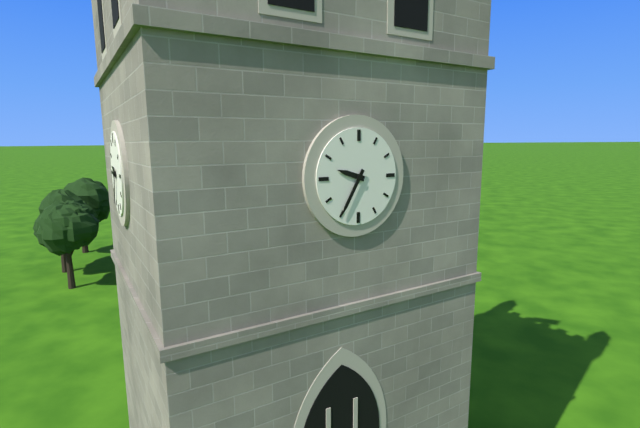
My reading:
h=9 m=35
